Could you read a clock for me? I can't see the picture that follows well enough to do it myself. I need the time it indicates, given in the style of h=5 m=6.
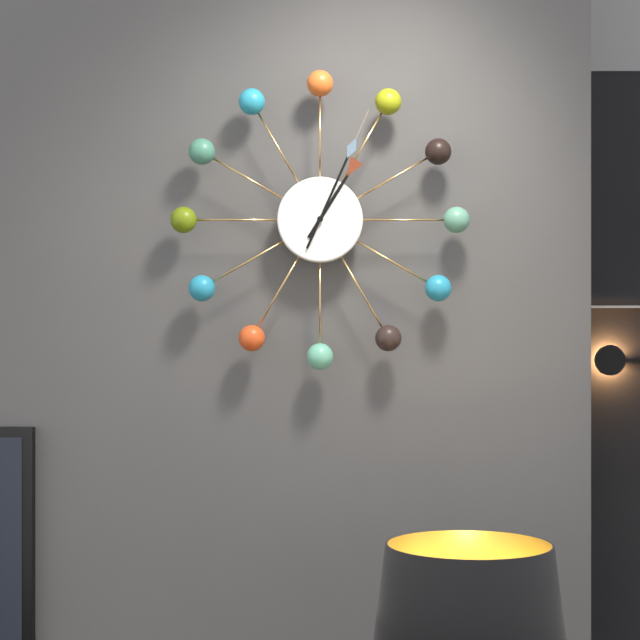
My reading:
h=1 m=4
